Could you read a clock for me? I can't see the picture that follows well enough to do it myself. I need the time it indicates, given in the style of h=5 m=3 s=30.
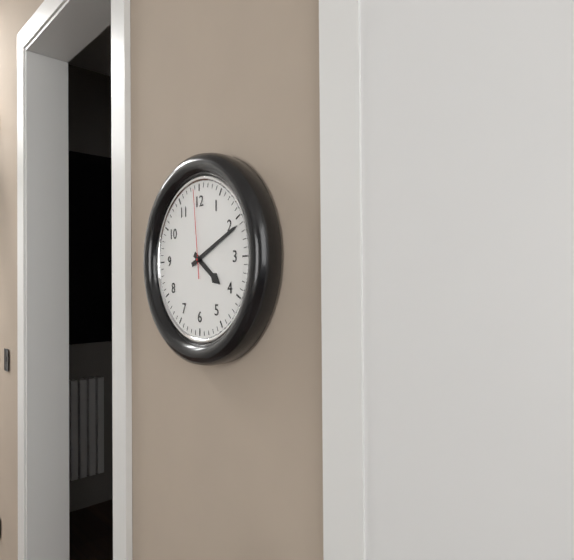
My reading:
h=4 m=11 s=59
